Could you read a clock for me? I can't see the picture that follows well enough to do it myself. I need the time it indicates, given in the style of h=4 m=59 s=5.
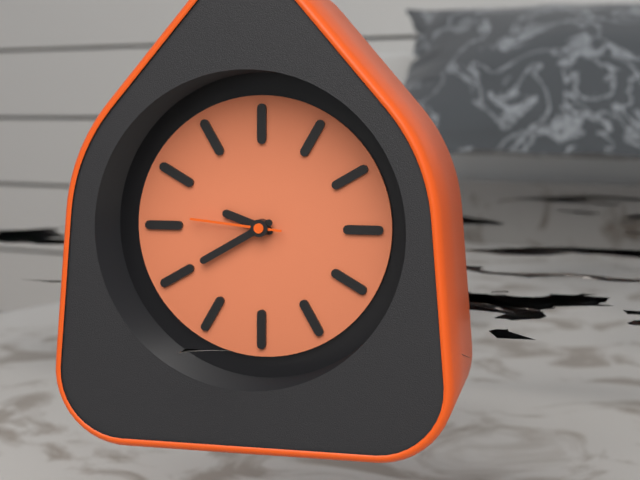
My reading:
h=9 m=40 s=46
